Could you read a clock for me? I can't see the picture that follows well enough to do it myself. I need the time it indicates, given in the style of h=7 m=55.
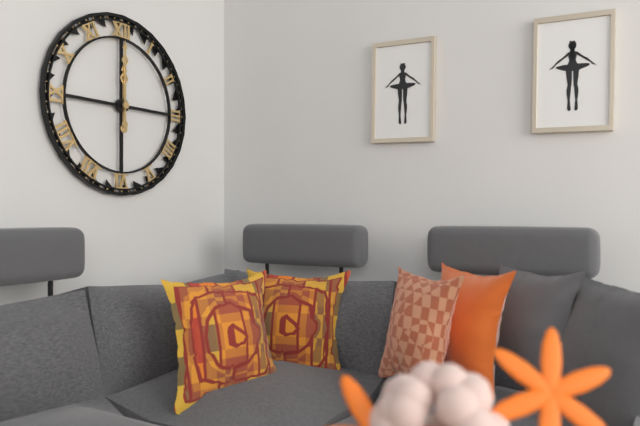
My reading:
h=12 m=0
